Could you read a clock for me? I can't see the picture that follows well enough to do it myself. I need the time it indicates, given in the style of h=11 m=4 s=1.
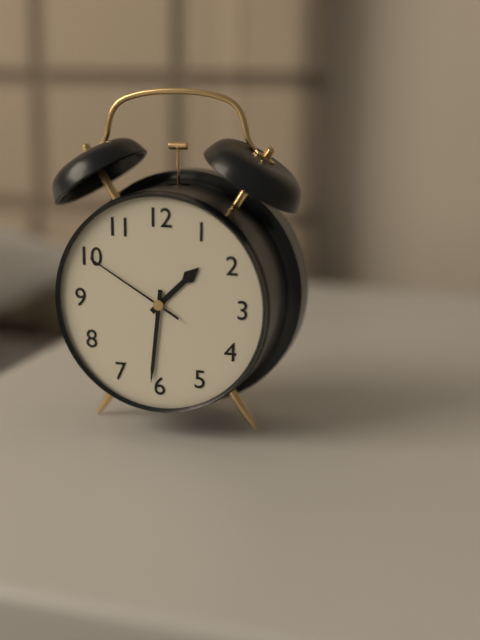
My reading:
h=1 m=31 s=50
